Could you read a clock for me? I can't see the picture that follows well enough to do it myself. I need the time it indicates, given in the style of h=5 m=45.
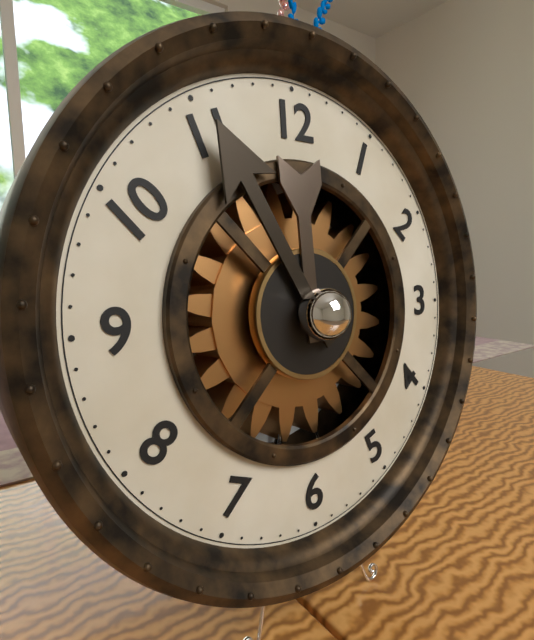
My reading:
h=11 m=55
